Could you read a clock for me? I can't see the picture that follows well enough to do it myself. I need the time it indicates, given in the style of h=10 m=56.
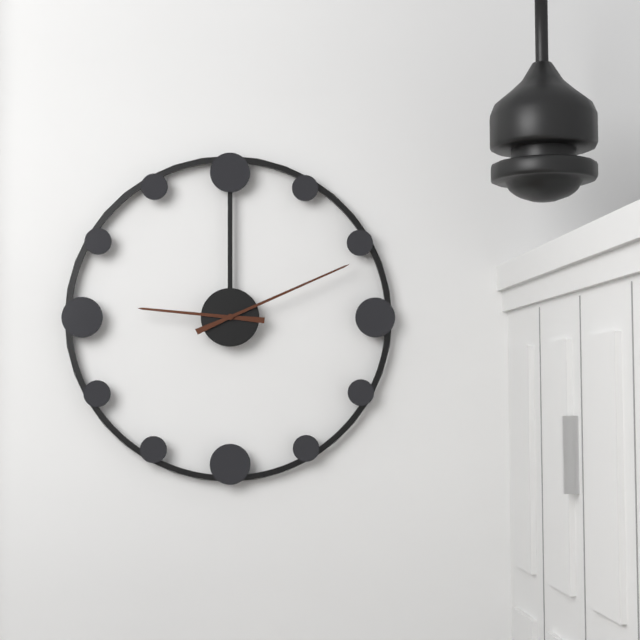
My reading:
h=9 m=11
